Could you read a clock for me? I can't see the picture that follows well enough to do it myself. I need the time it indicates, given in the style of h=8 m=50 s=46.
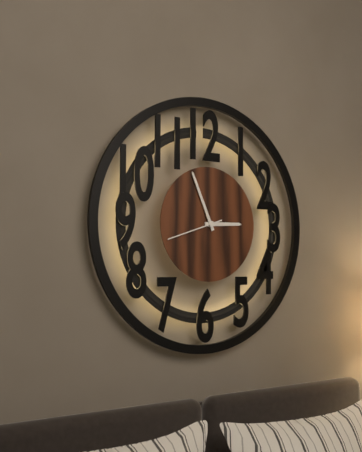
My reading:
h=2 m=56 s=42
